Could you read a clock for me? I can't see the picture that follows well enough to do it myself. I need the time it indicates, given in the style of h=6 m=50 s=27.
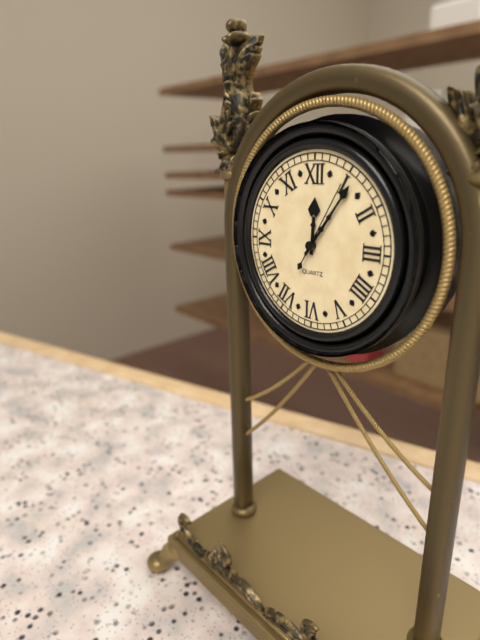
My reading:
h=12 m=6 s=5
